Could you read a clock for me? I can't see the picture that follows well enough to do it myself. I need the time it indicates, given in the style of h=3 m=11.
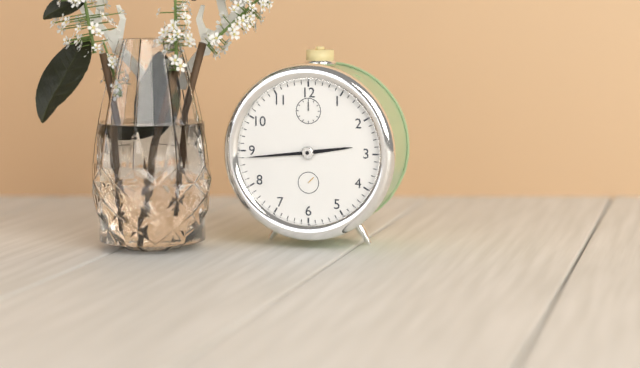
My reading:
h=2 m=44
